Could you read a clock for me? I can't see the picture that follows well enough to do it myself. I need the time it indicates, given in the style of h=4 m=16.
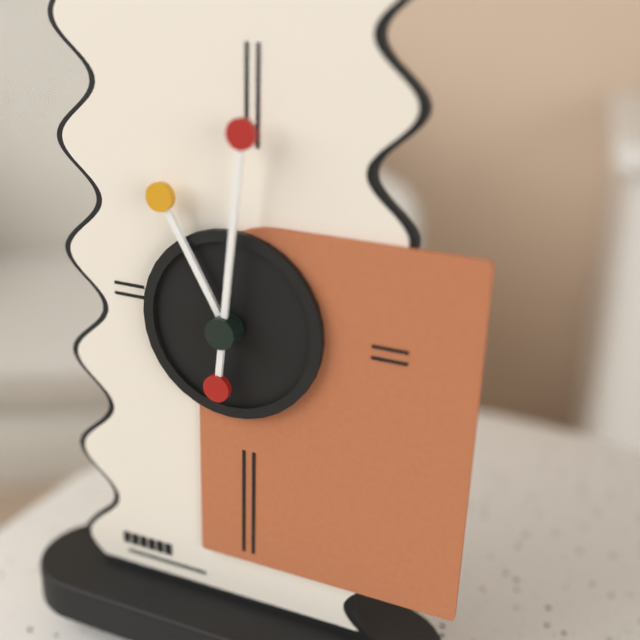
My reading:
h=11 m=1
